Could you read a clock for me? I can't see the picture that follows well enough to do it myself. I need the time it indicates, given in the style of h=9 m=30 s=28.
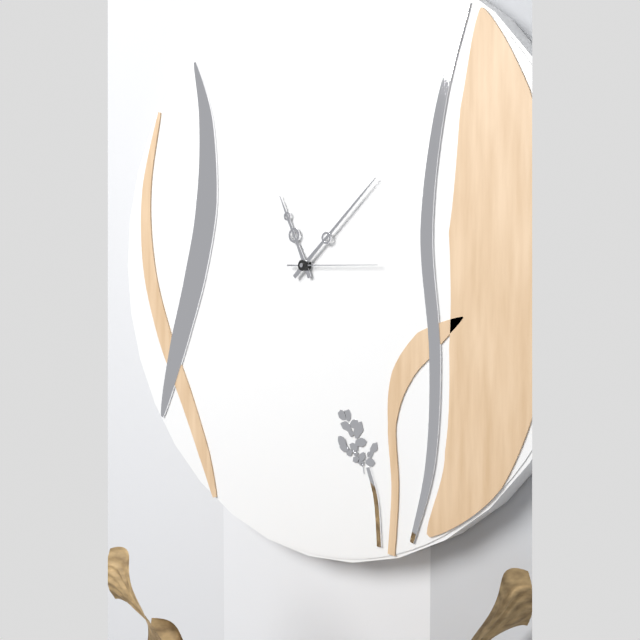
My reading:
h=11 m=8 s=15
